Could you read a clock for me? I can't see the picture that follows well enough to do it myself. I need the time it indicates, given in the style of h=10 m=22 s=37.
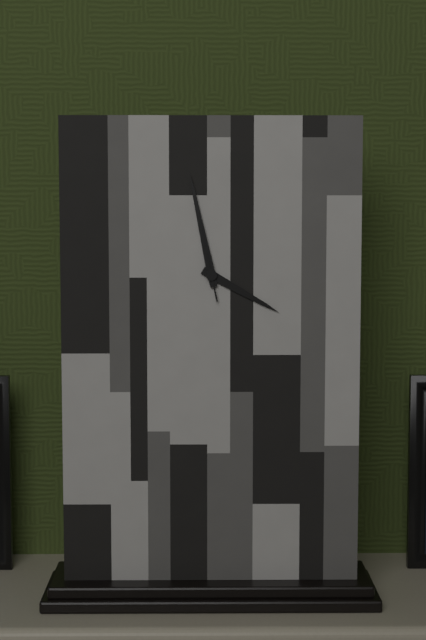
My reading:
h=3 m=58 s=58
